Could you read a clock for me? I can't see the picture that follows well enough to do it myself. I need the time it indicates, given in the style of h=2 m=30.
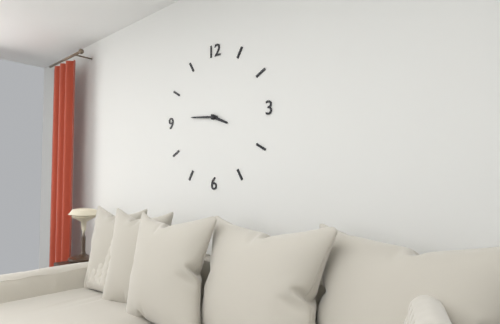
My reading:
h=3 m=46
